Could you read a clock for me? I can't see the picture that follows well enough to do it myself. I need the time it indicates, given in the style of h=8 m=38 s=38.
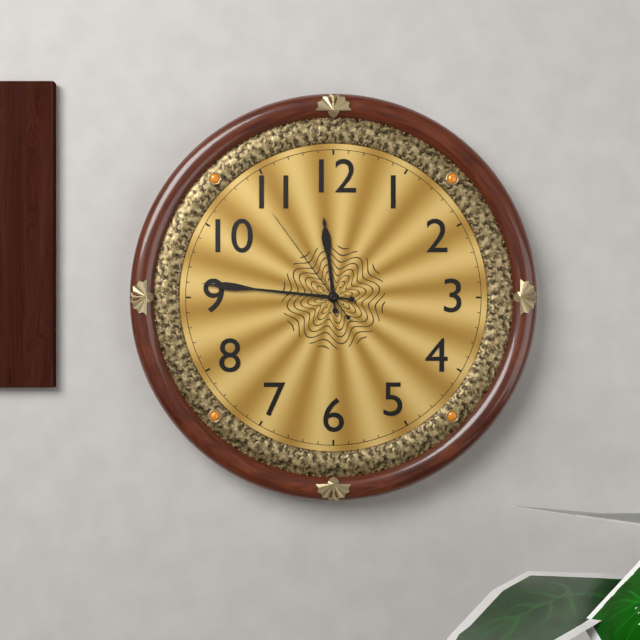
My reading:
h=11 m=46 s=54
